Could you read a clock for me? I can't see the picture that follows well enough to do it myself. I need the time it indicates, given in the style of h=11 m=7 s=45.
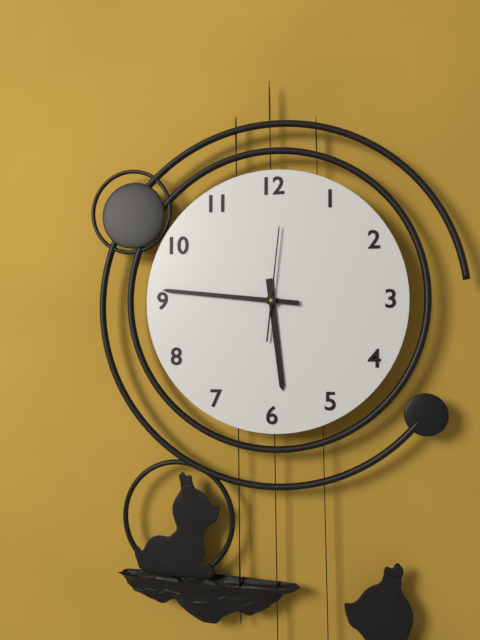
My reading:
h=5 m=46 s=1
